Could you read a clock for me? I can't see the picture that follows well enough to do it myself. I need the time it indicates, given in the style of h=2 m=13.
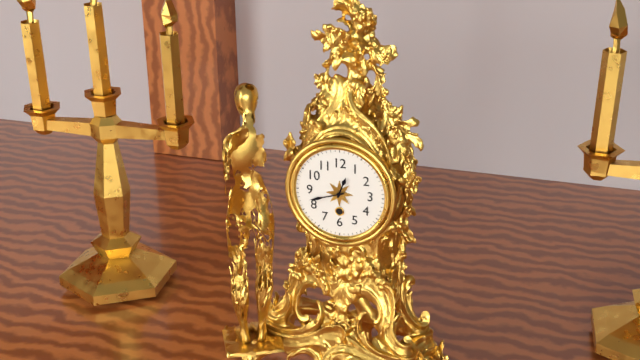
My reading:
h=12 m=42
